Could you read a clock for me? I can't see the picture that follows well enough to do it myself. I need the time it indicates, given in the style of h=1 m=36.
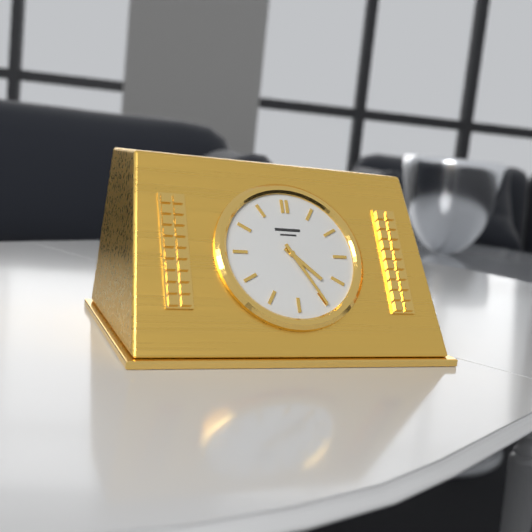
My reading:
h=4 m=25
